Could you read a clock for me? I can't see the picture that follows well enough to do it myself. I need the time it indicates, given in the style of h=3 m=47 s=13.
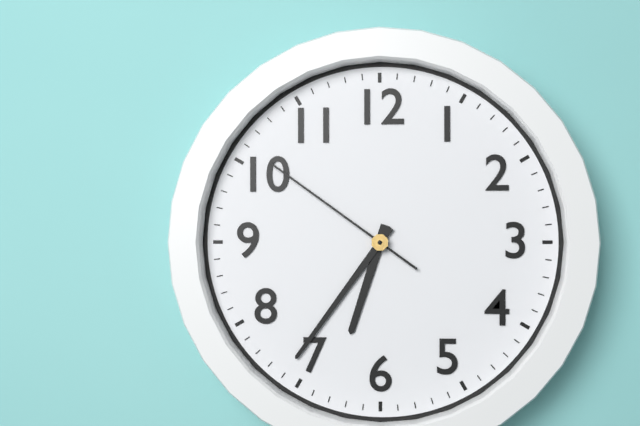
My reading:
h=6 m=36 s=51
